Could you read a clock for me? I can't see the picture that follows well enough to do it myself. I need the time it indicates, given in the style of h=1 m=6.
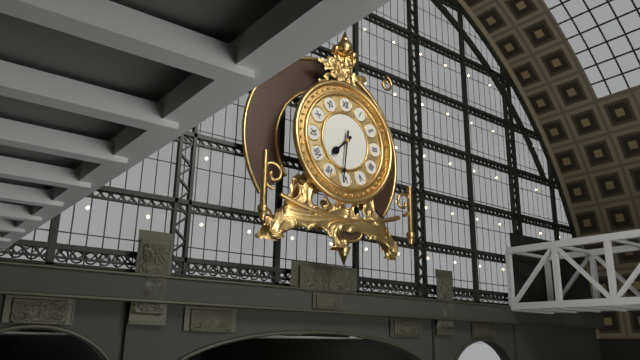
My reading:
h=7 m=31
